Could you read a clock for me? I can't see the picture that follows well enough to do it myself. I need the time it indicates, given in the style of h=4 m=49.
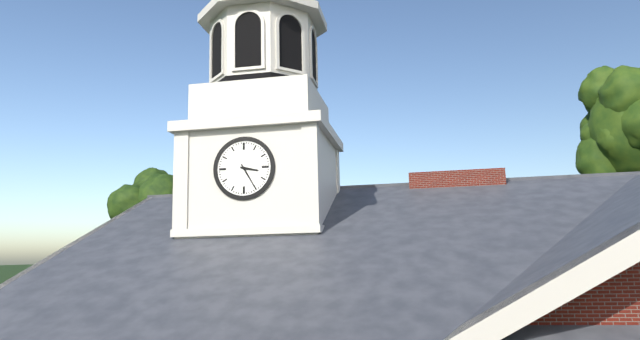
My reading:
h=3 m=25
